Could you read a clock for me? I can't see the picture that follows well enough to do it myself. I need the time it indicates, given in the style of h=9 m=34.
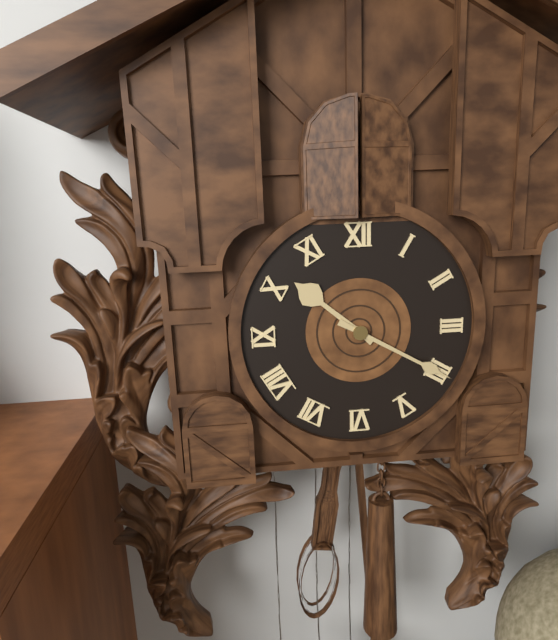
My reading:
h=10 m=20
